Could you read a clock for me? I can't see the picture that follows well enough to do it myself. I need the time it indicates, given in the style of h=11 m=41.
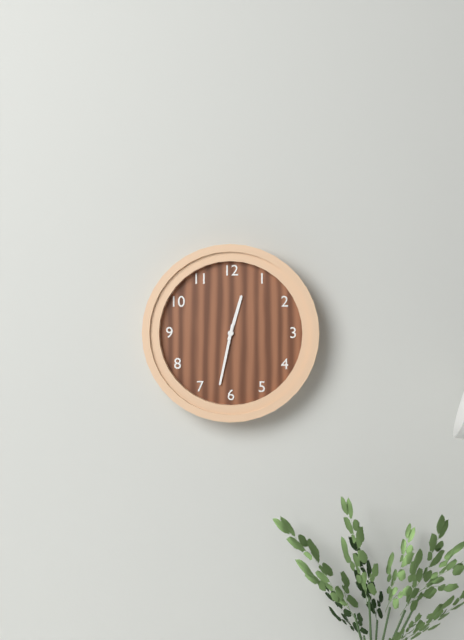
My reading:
h=12 m=32
